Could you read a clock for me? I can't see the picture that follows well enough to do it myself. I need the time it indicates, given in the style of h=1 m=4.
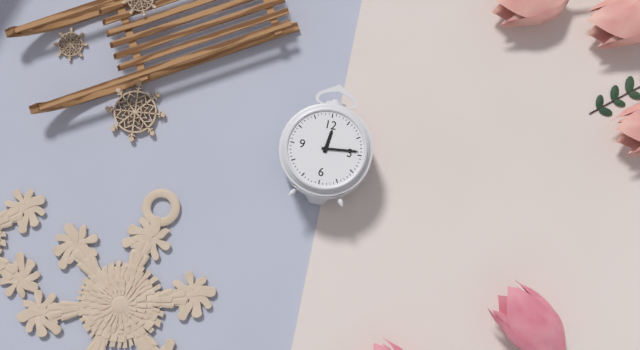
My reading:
h=12 m=14
